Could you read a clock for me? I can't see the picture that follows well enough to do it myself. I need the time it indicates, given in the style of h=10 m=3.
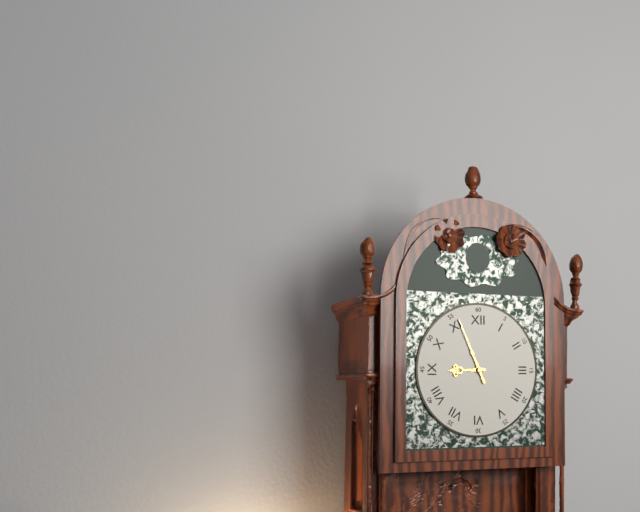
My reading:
h=8 m=56
